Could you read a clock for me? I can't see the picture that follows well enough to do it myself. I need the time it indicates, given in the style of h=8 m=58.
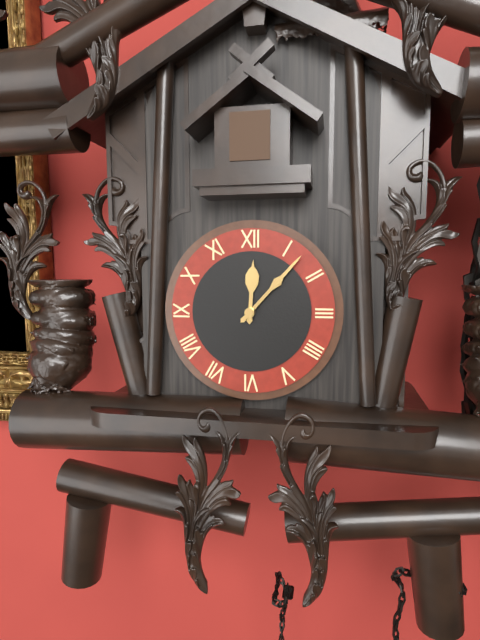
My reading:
h=12 m=7
